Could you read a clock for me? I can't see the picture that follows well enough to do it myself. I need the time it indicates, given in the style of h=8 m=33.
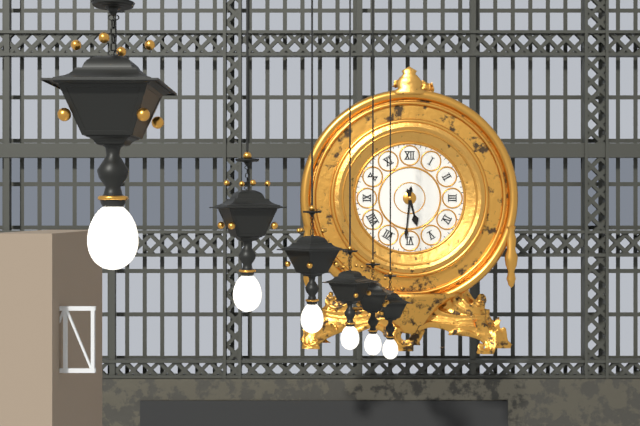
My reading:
h=5 m=31
